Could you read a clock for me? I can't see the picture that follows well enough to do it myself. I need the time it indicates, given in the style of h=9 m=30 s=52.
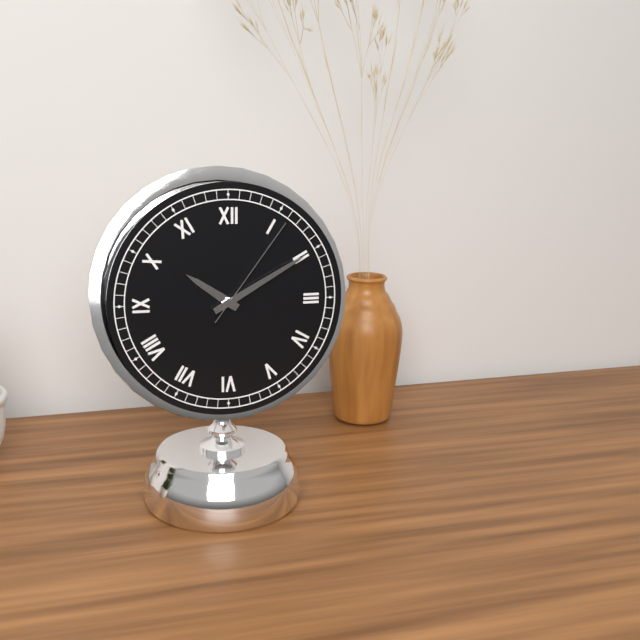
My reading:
h=10 m=10 s=6
